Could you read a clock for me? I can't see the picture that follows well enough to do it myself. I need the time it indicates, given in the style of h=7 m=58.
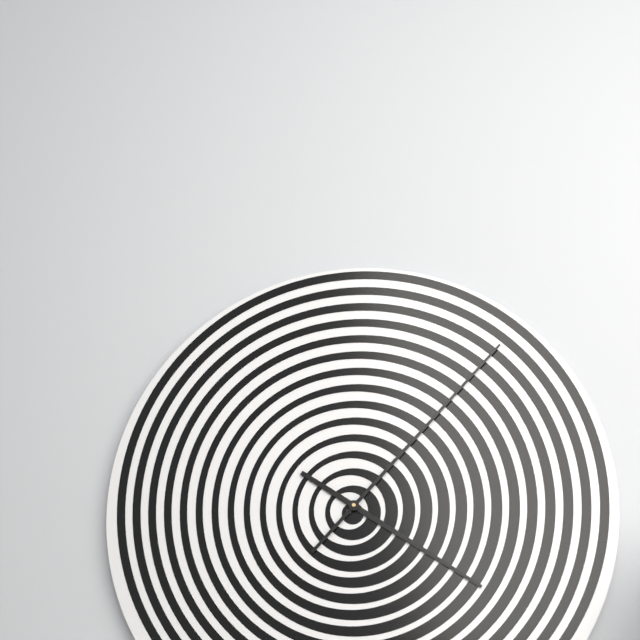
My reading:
h=4 m=7
